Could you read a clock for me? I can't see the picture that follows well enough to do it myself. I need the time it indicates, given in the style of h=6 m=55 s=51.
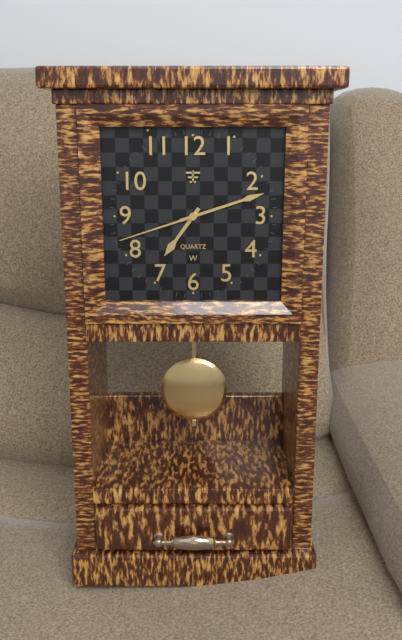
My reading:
h=7 m=12 s=42
